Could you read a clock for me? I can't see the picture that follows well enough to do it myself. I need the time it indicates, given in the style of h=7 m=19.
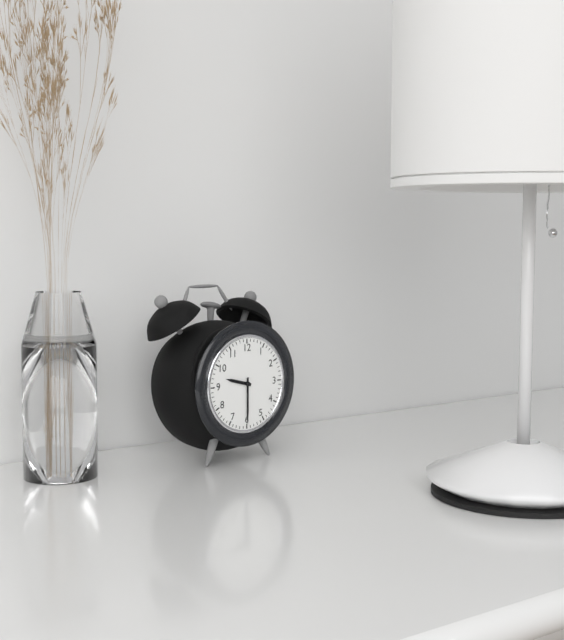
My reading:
h=9 m=30
